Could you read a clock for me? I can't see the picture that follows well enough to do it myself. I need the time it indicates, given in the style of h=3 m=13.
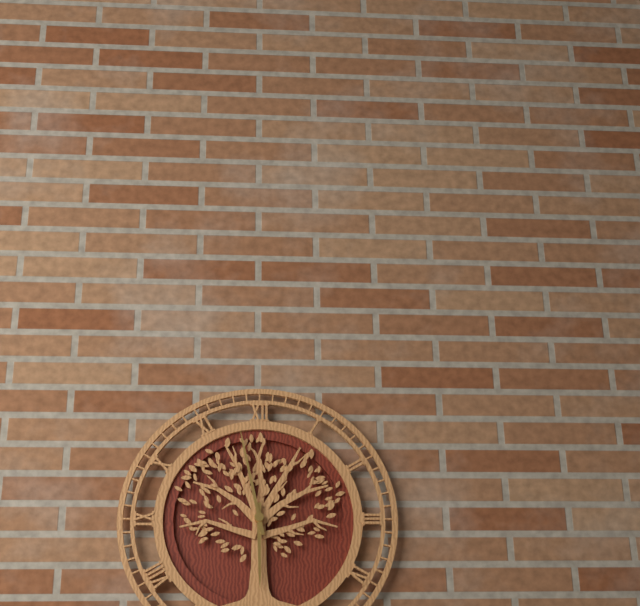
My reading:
h=5 m=58
